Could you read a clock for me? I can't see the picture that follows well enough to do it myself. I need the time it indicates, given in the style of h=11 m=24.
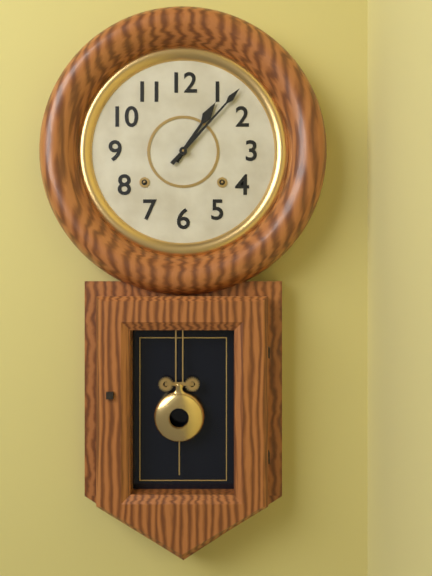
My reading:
h=1 m=7
